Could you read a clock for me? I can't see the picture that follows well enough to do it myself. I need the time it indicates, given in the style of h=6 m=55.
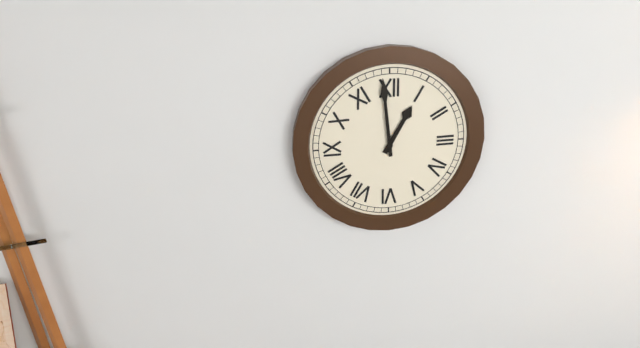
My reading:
h=12 m=59
